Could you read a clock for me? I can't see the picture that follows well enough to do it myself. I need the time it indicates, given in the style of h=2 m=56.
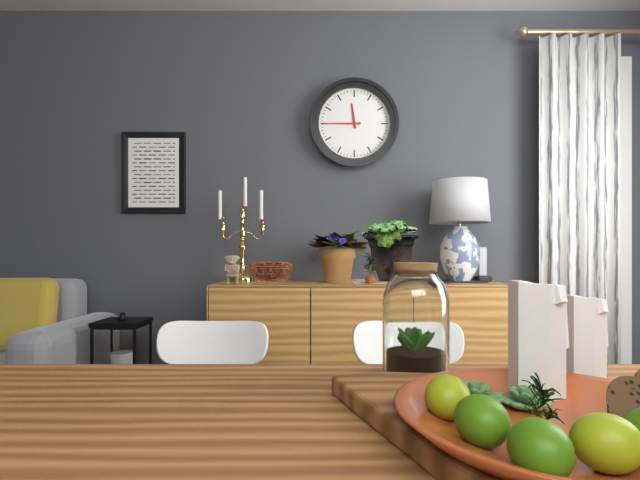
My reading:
h=11 m=45
